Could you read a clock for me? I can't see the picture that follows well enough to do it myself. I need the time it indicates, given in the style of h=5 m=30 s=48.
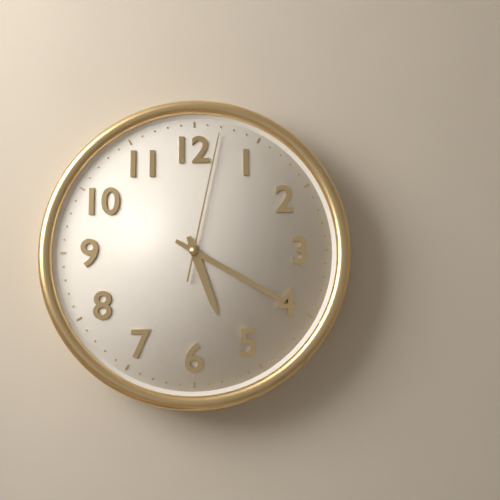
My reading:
h=5 m=20 s=2
